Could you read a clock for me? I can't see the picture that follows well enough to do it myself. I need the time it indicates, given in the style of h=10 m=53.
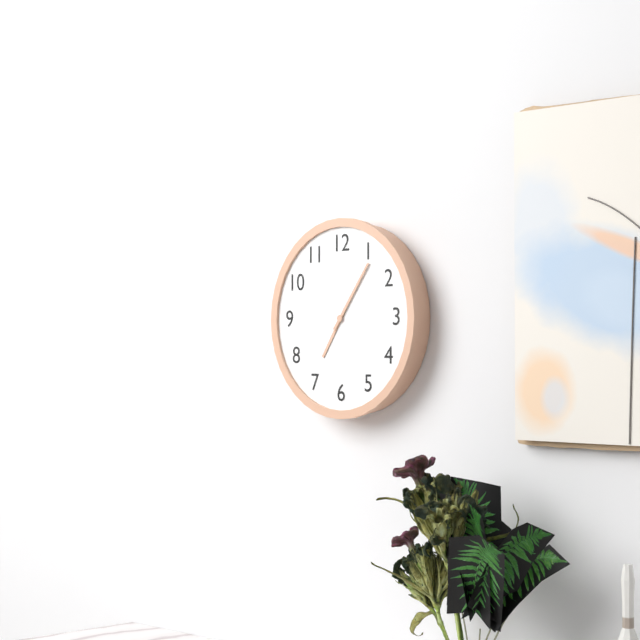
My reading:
h=7 m=6
